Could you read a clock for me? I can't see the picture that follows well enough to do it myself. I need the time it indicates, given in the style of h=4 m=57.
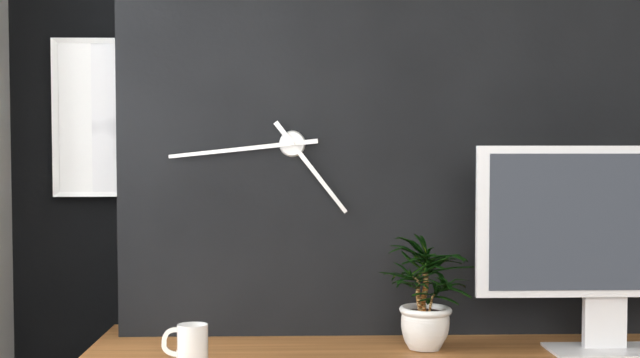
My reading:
h=4 m=44
